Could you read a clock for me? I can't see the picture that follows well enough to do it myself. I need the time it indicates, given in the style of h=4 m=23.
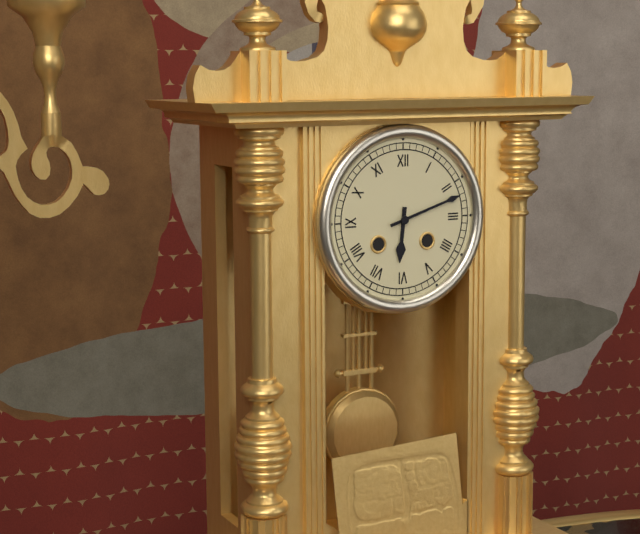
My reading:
h=6 m=12
